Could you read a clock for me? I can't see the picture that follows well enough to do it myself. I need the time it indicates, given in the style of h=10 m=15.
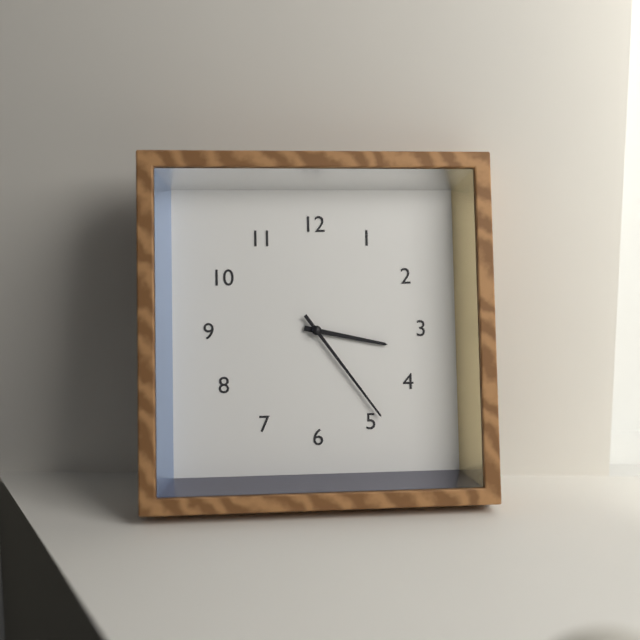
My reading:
h=3 m=24
